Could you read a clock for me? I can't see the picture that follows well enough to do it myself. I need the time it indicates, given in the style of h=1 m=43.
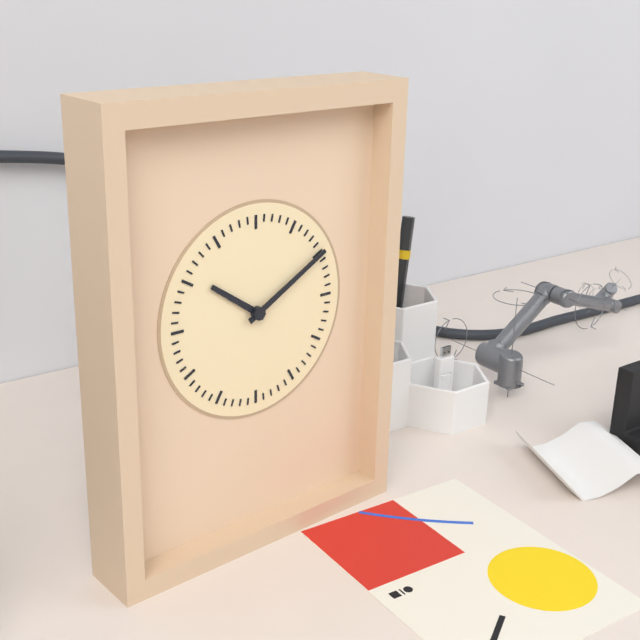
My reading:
h=10 m=10
